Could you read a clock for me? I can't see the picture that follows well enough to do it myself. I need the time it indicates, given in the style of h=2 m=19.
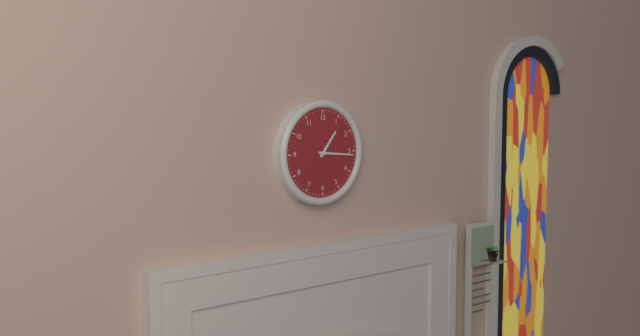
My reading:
h=1 m=16
